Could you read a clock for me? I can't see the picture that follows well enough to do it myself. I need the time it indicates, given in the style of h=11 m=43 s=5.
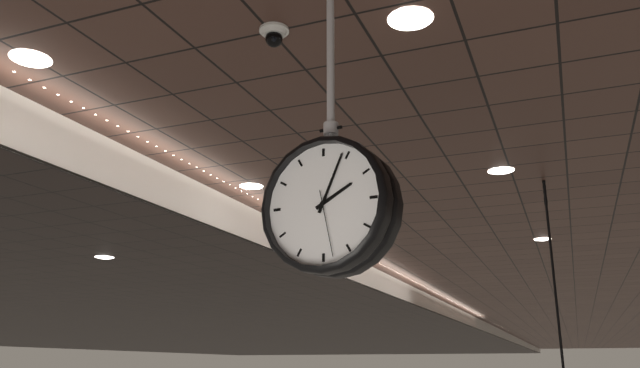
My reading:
h=2 m=4 s=28
